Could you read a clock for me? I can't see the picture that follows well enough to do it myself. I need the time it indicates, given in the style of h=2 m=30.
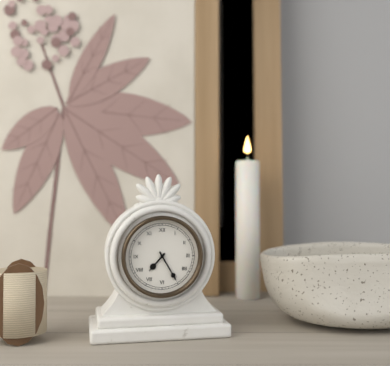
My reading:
h=7 m=25
